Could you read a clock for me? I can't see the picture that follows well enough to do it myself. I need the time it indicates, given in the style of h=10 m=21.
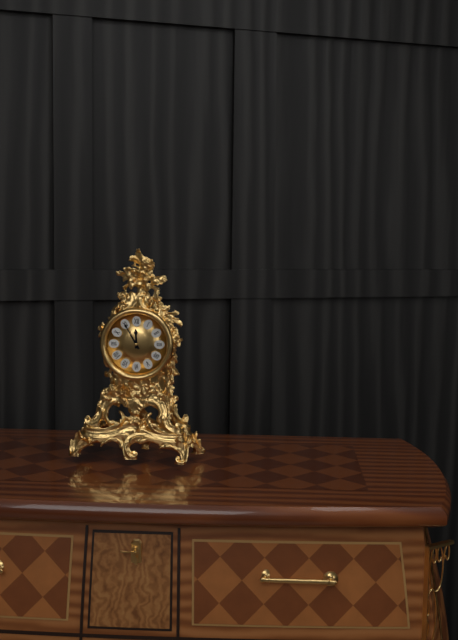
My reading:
h=11 m=55
